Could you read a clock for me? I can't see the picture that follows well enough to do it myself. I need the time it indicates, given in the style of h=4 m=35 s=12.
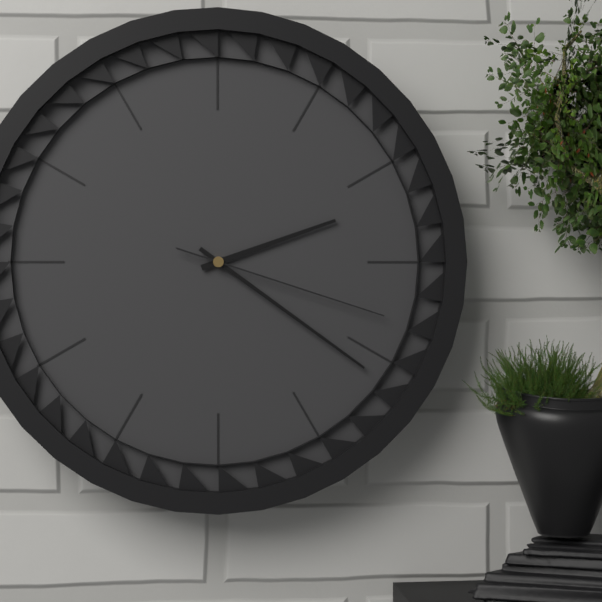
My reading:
h=2 m=21 s=18
